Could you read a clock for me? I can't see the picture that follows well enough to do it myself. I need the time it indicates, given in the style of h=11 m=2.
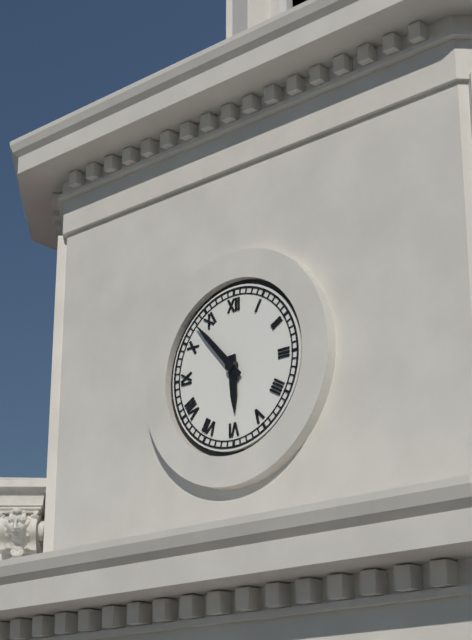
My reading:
h=5 m=53
